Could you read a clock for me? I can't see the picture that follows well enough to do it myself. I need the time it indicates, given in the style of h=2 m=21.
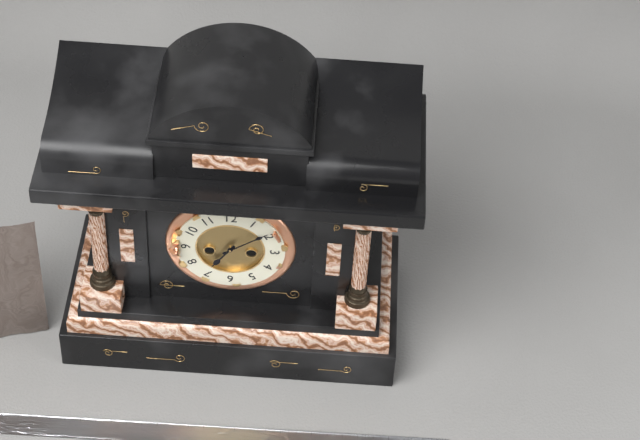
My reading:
h=7 m=9
